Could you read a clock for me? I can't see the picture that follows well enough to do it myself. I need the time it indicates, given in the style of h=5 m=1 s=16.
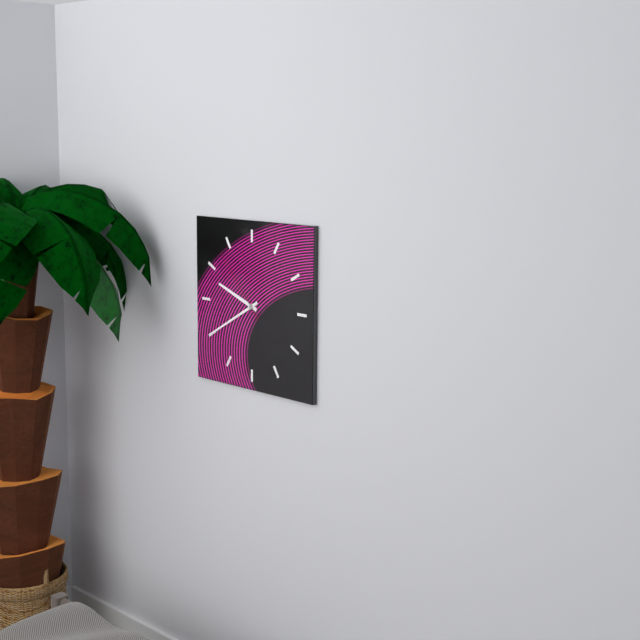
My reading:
h=9 m=40 s=53
